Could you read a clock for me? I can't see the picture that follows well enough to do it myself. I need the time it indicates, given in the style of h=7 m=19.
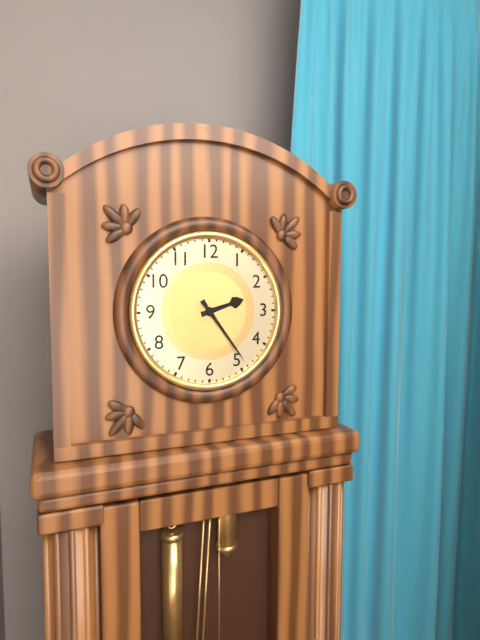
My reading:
h=2 m=24
